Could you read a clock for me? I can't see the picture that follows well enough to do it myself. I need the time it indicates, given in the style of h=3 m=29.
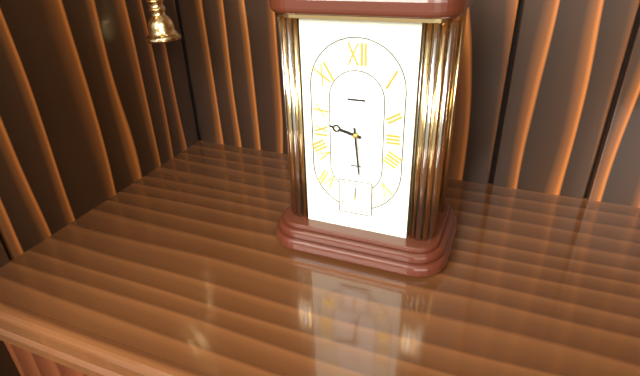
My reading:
h=9 m=29
